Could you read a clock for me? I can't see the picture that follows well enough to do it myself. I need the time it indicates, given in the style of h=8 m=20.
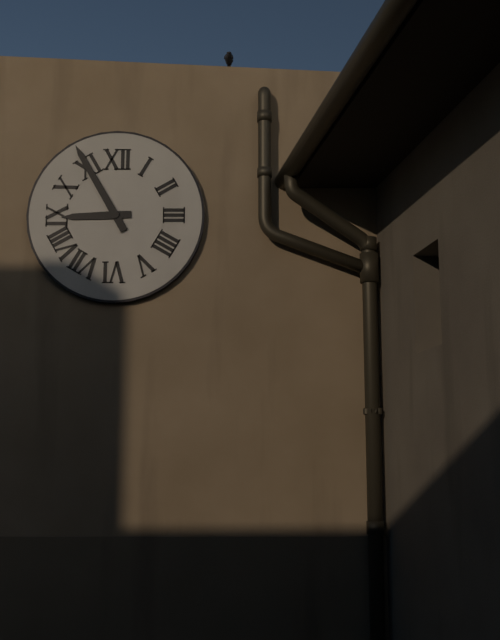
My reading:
h=8 m=55
